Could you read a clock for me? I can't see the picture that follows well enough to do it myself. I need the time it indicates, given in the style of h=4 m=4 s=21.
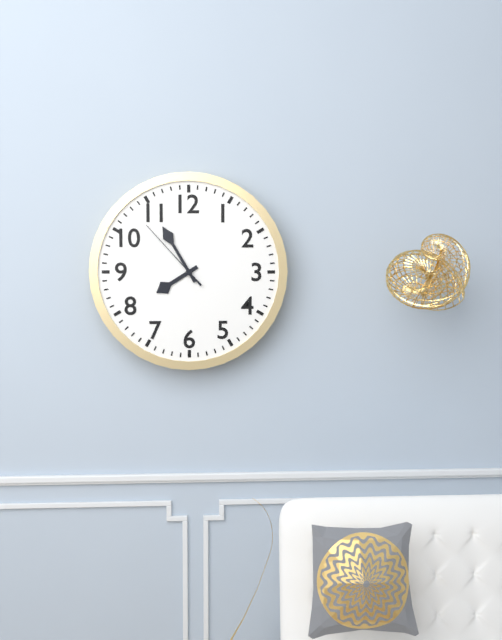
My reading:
h=7 m=55 s=53
